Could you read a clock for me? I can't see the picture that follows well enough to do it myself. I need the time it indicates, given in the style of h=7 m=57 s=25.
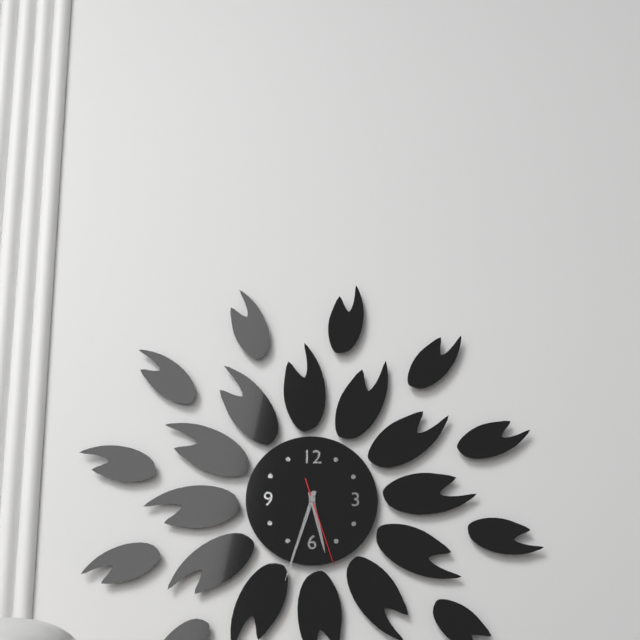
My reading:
h=5 m=33 s=27
